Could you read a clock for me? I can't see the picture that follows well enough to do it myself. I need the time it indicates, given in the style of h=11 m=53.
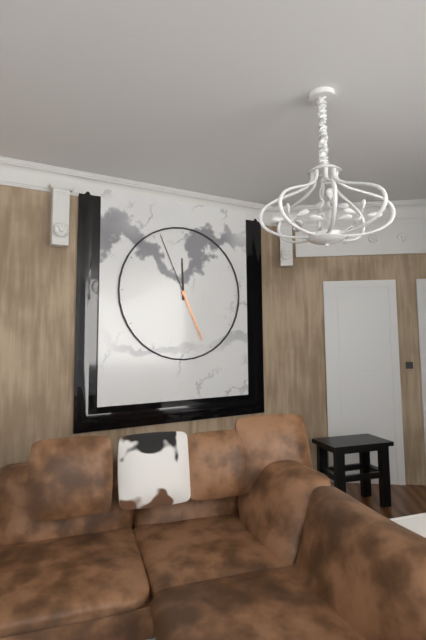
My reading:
h=11 m=56
